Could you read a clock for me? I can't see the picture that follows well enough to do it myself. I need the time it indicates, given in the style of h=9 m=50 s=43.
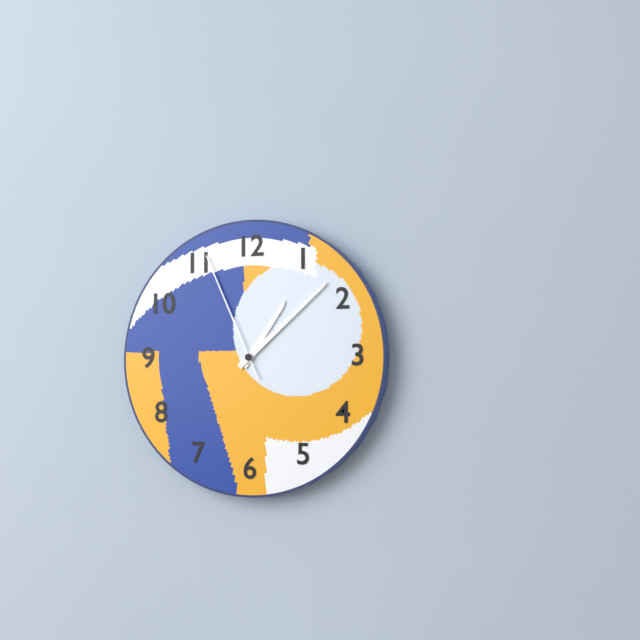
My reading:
h=1 m=8 s=56
